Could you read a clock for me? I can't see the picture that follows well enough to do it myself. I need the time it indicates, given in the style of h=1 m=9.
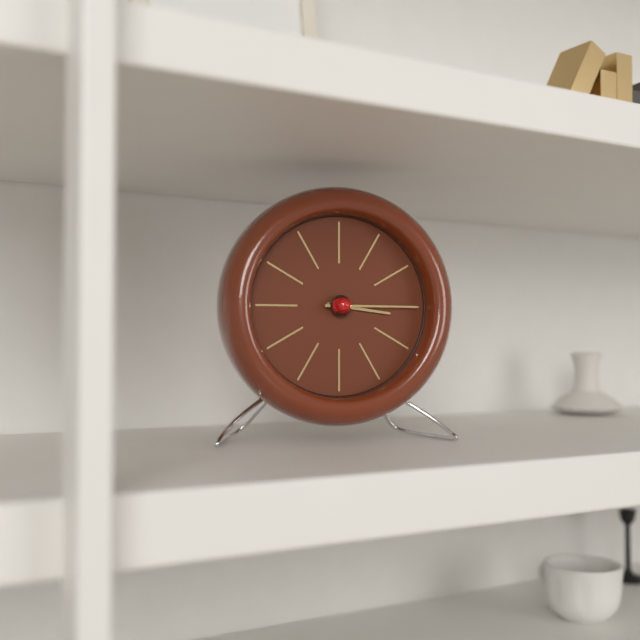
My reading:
h=3 m=15
